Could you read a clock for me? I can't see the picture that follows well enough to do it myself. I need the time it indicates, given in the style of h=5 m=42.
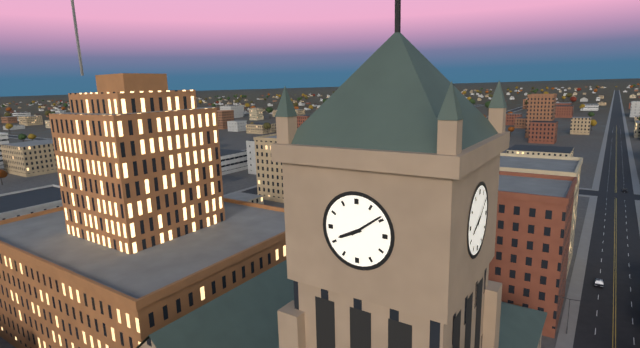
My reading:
h=8 m=9
